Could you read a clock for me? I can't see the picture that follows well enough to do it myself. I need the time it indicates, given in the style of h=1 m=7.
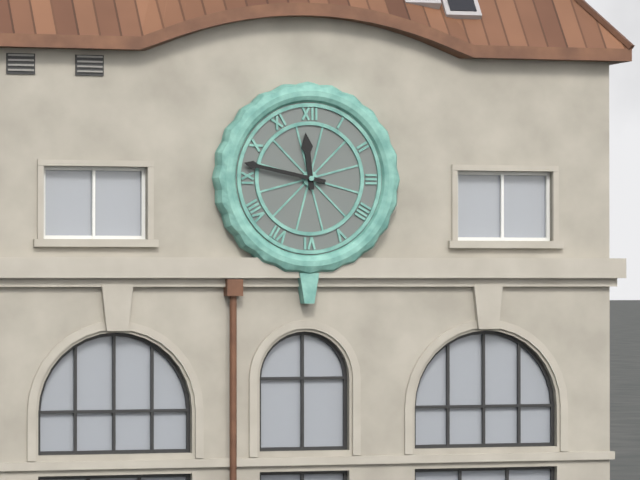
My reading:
h=11 m=47
